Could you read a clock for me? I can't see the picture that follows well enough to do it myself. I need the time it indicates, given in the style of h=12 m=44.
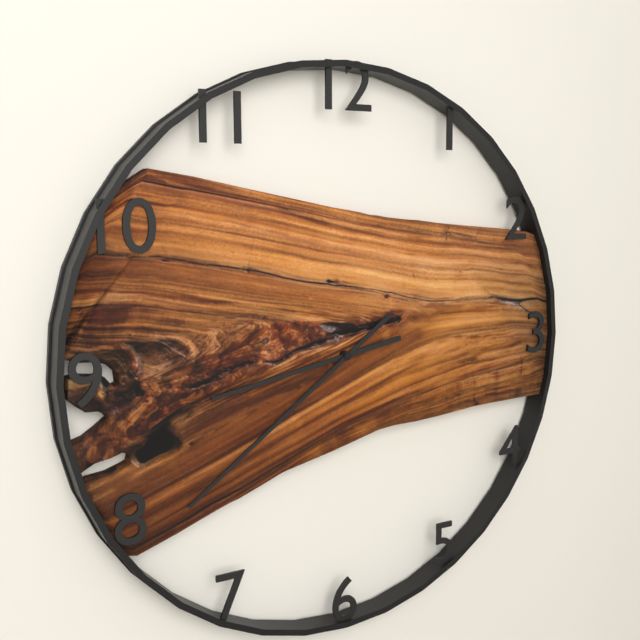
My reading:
h=8 m=39
